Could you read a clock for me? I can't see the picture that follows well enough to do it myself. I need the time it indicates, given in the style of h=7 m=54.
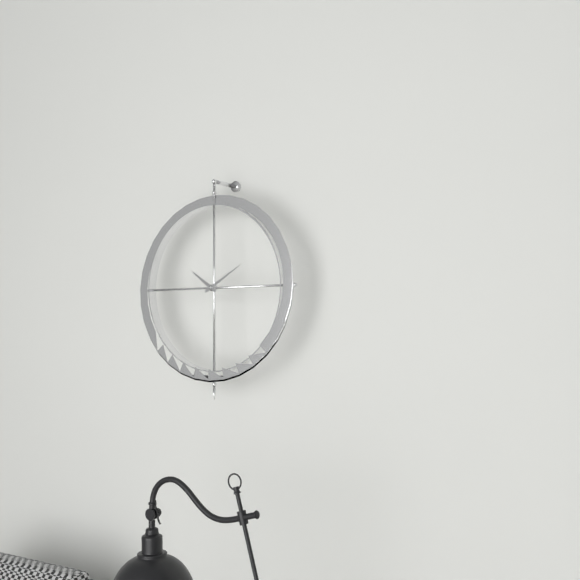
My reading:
h=10 m=10
